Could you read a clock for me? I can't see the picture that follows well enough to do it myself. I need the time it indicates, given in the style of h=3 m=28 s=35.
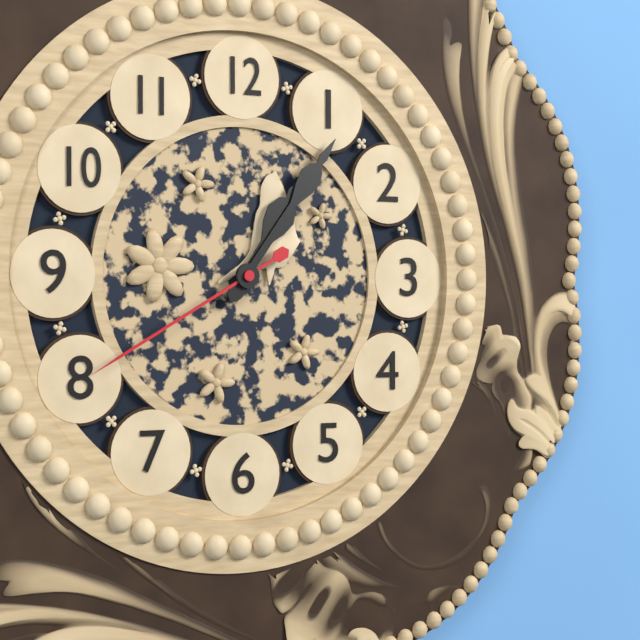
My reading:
h=1 m=6 s=40
